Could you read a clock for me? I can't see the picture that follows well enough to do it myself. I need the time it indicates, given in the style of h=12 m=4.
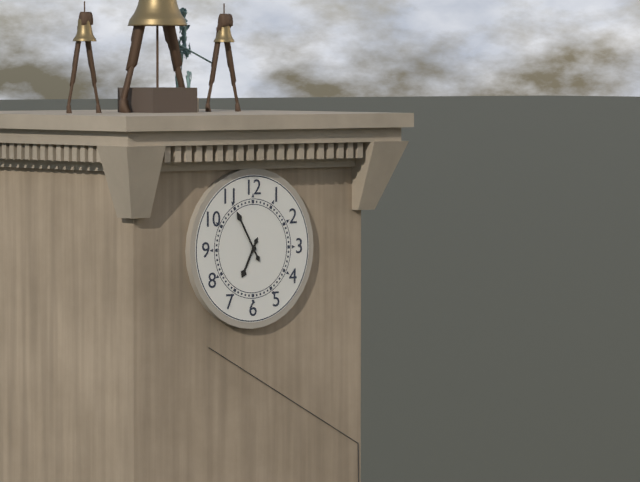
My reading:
h=6 m=55
